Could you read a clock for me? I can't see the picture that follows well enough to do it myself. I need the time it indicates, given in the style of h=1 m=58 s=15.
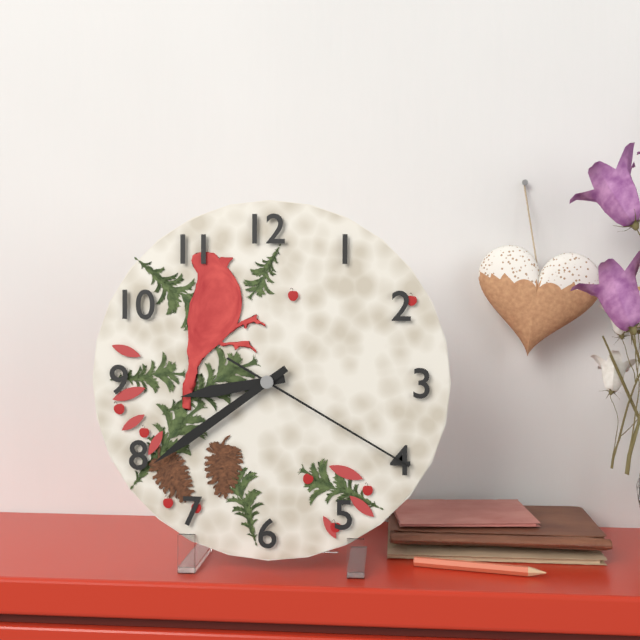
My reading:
h=8 m=39 s=20
